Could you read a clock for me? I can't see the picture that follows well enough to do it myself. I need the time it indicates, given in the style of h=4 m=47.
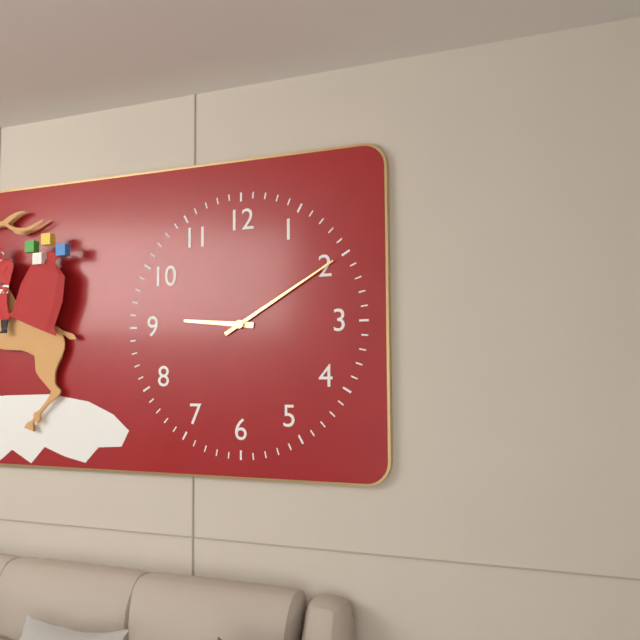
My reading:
h=9 m=10
